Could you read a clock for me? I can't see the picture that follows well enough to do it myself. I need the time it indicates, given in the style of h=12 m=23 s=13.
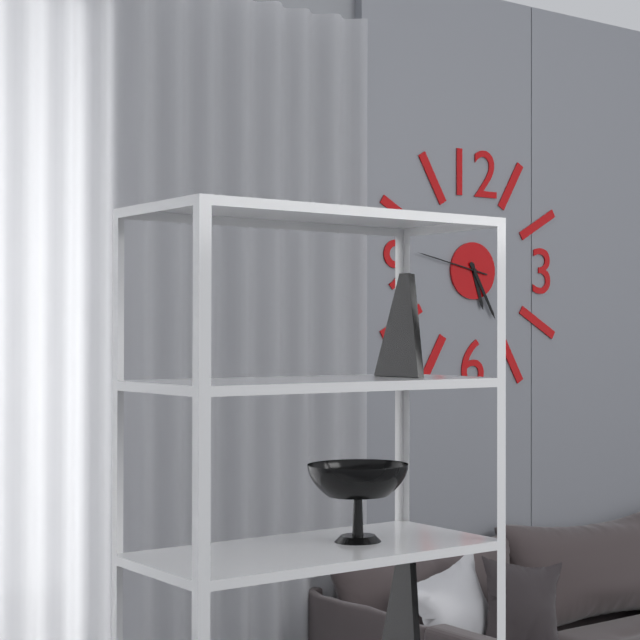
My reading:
h=5 m=25 s=47
